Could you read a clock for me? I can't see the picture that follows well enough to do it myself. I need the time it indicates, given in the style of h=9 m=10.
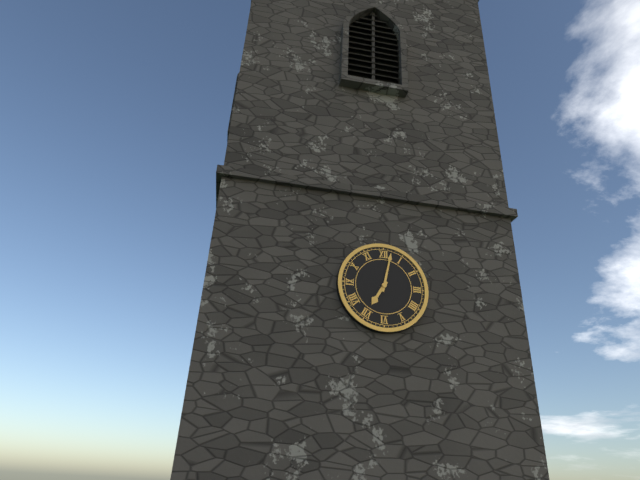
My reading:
h=7 m=2
